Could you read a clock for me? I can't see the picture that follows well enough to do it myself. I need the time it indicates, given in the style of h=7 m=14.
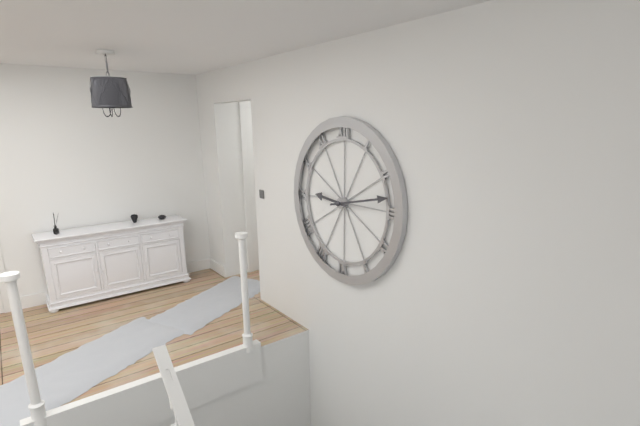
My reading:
h=9 m=13
